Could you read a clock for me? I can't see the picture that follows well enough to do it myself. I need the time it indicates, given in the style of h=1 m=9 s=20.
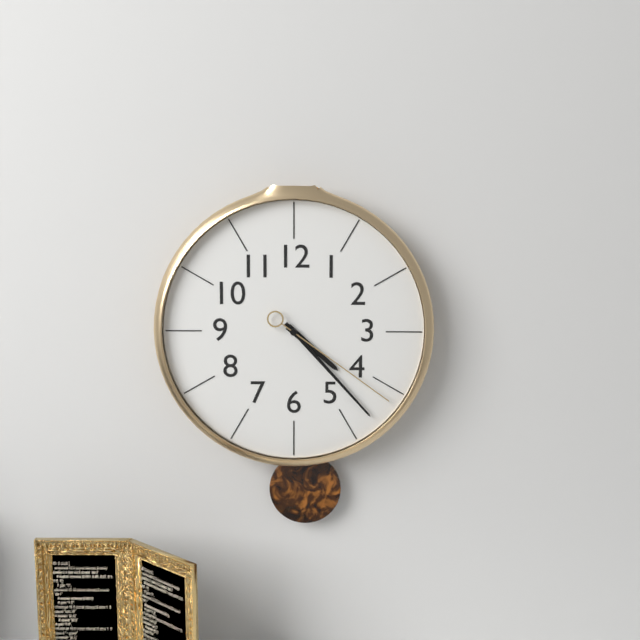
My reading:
h=4 m=23 s=21
